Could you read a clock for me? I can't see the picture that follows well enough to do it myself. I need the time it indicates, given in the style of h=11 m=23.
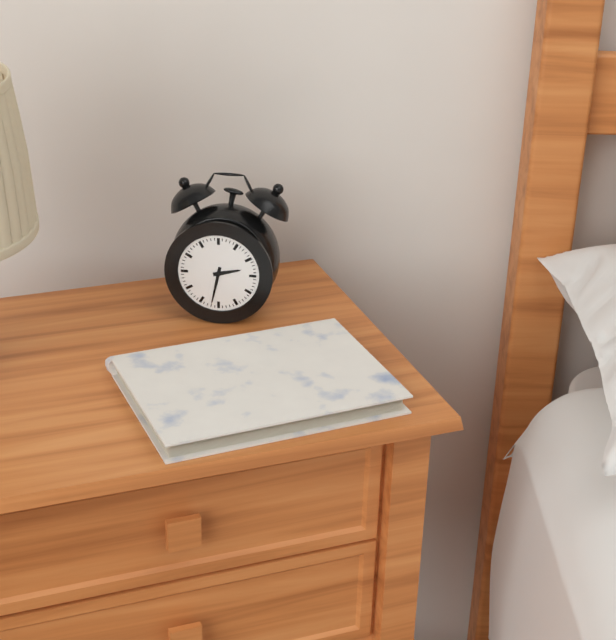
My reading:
h=2 m=32
